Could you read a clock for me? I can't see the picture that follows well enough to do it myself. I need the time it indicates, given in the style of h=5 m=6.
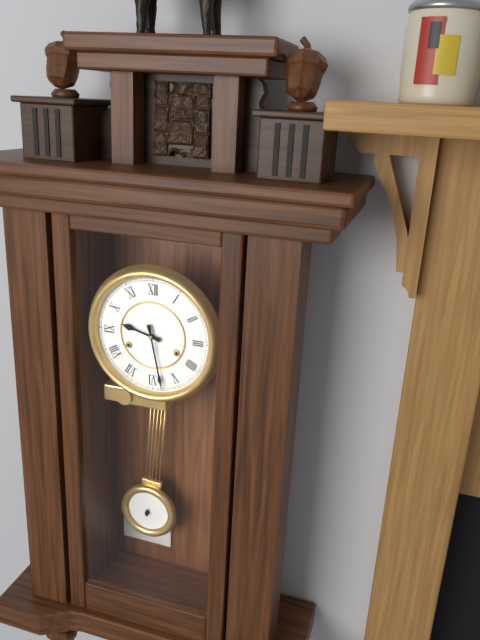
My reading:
h=9 m=28
